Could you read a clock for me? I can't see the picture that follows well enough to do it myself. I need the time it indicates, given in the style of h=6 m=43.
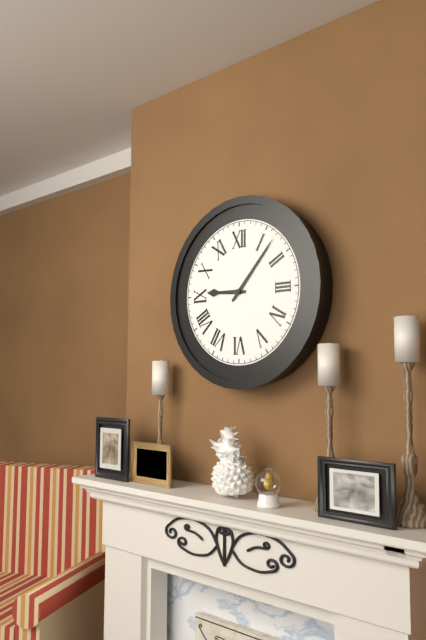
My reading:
h=9 m=7
